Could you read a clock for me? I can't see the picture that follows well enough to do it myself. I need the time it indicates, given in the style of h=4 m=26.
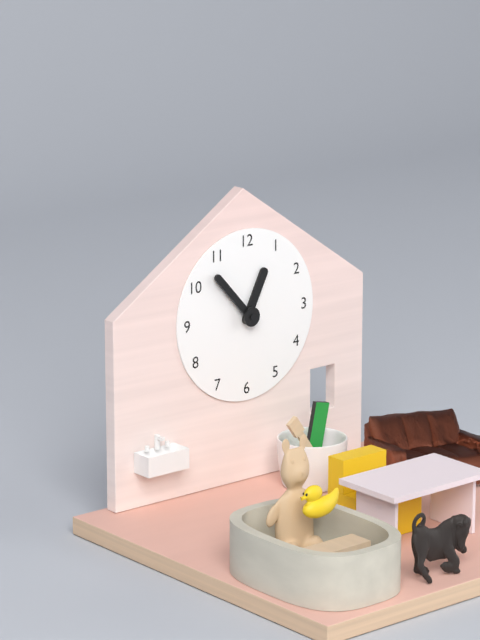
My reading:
h=12 m=53
